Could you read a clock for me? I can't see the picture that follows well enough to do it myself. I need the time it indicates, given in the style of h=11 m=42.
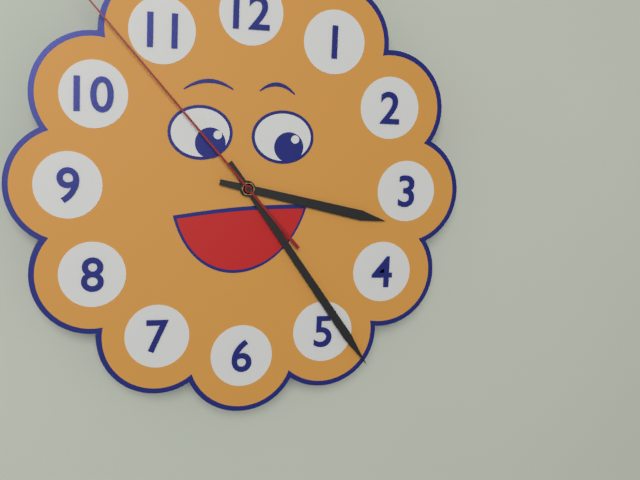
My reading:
h=3 m=24
